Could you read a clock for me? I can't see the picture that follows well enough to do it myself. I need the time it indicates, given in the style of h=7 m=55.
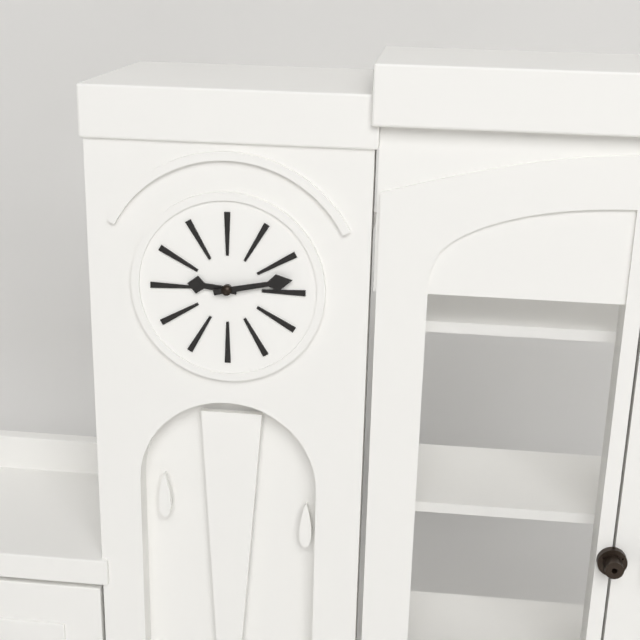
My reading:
h=9 m=13
